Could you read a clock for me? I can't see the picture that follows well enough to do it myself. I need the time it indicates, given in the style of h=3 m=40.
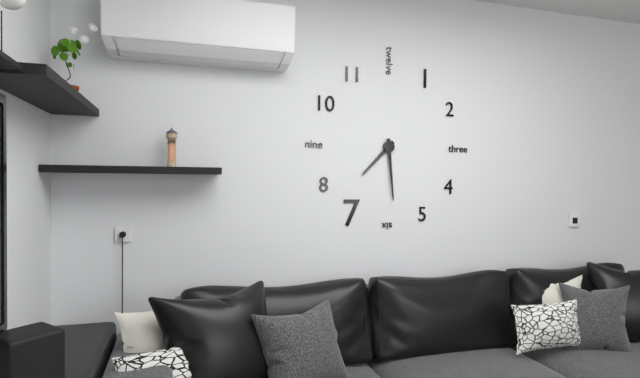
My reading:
h=7 m=29
